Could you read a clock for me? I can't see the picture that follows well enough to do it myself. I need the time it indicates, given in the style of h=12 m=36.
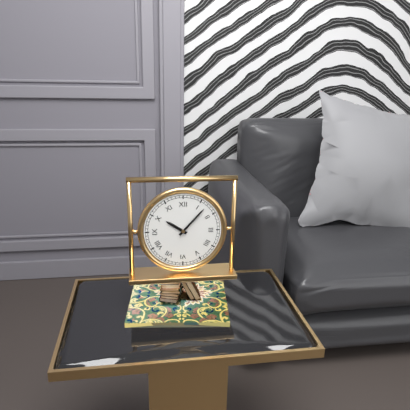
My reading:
h=10 m=7
